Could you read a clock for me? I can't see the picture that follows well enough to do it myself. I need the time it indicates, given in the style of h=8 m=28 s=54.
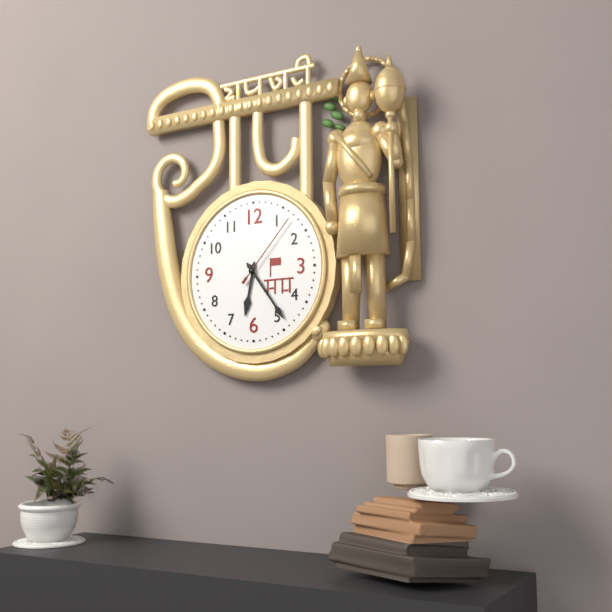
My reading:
h=6 m=24 s=7
